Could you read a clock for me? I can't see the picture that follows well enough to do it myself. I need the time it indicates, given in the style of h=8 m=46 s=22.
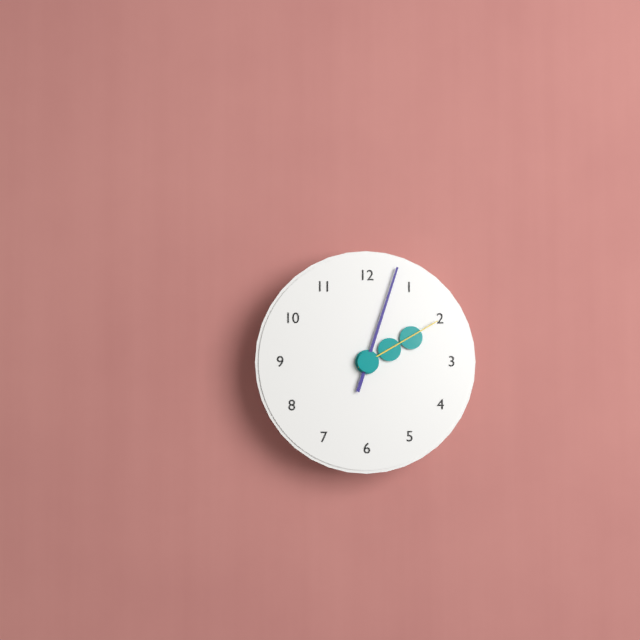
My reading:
h=2 m=3 s=10
